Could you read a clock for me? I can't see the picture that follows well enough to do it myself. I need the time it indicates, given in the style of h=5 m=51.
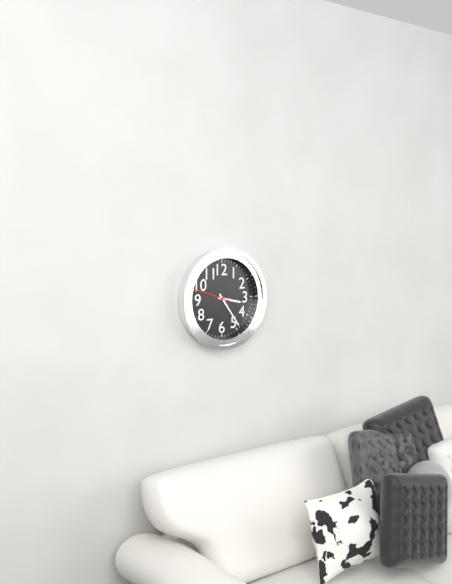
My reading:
h=3 m=24
